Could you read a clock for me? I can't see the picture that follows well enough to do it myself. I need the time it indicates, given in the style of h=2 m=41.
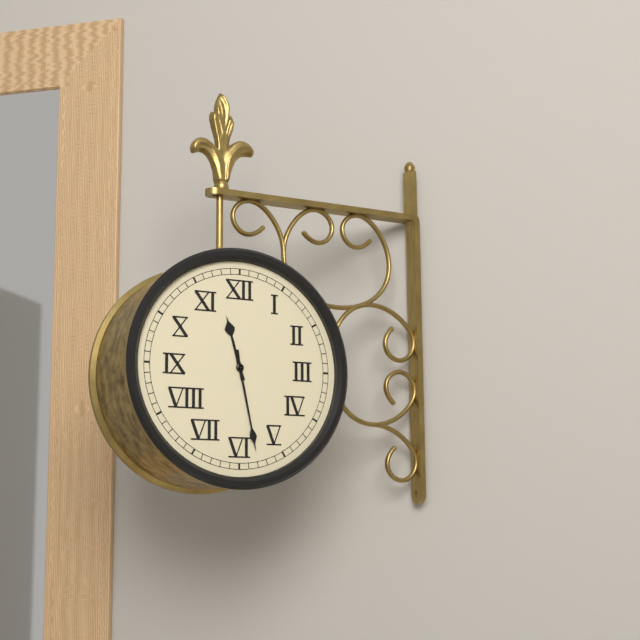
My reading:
h=11 m=28
